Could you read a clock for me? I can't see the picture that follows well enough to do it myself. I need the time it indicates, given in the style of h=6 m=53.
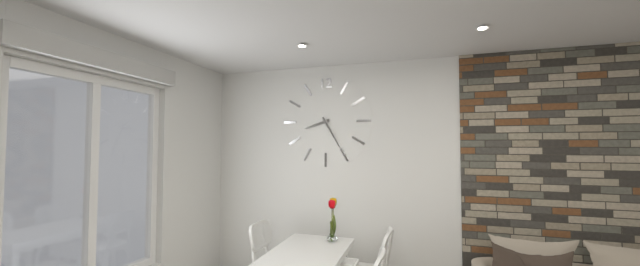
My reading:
h=8 m=25
